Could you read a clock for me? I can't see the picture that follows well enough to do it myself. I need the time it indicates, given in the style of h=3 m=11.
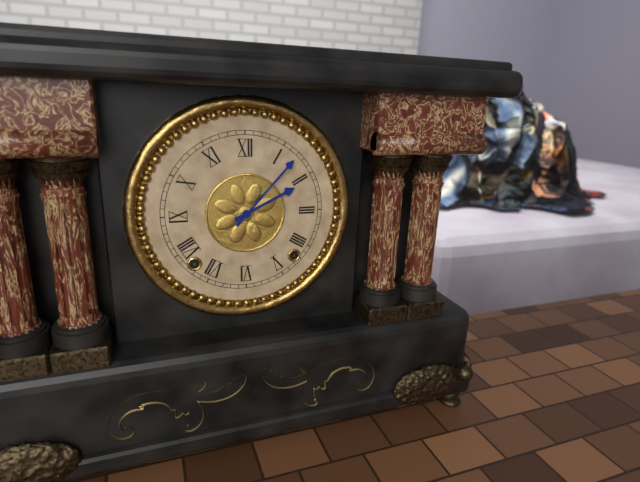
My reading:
h=2 m=7
